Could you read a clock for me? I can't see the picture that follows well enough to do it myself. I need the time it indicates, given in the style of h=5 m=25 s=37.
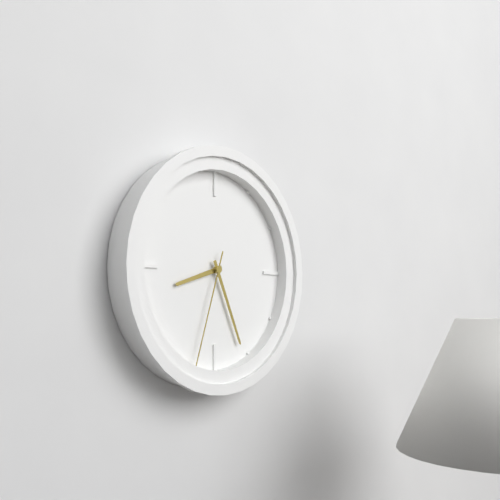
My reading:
h=8 m=26 s=33
